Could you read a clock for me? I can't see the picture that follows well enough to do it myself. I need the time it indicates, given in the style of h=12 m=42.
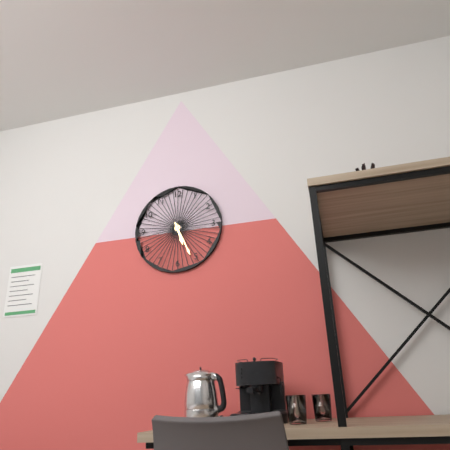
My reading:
h=5 m=26
